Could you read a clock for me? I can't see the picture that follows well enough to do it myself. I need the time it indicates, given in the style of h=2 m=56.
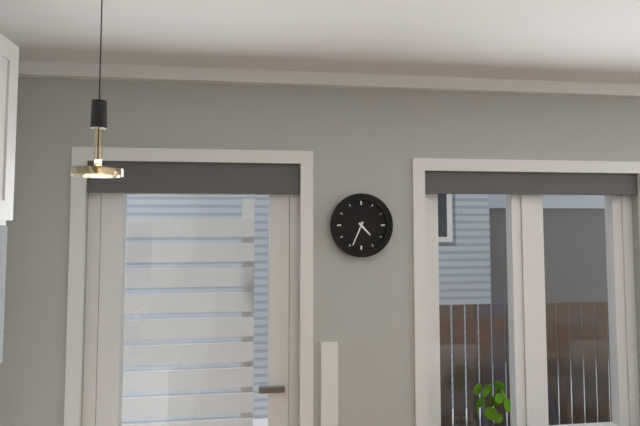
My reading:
h=4 m=34
